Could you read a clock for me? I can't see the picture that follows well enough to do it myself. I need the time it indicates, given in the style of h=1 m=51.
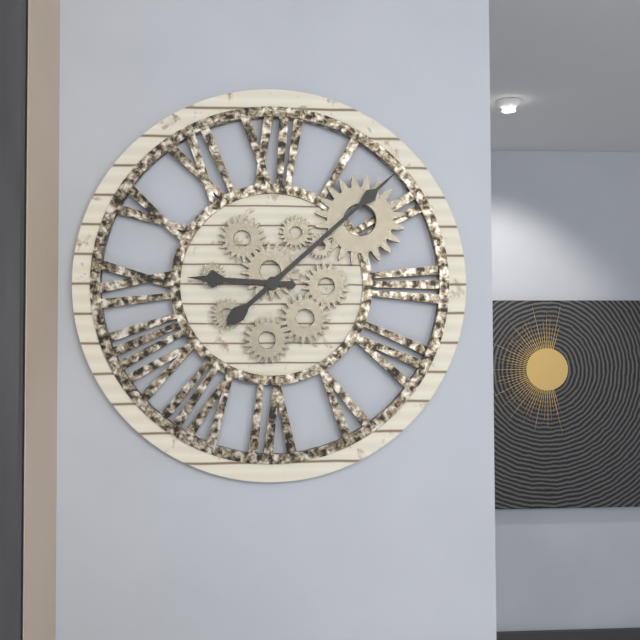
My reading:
h=9 m=8
